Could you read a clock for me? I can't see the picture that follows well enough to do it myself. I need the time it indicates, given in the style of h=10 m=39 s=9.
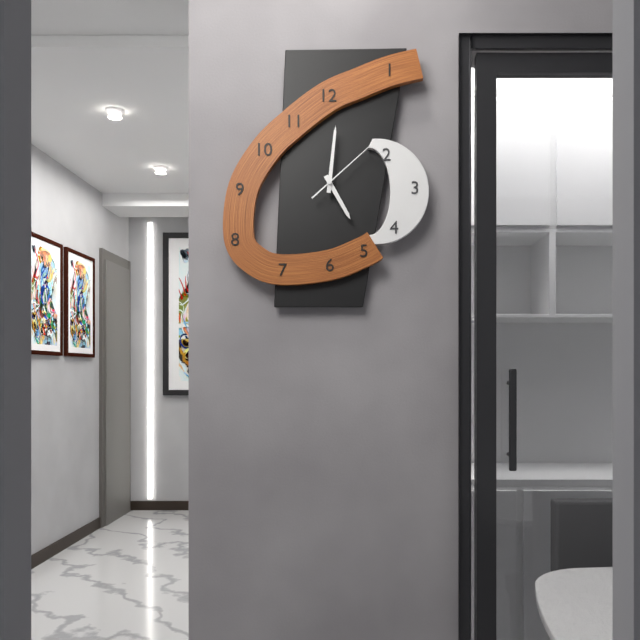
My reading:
h=5 m=1 s=8
